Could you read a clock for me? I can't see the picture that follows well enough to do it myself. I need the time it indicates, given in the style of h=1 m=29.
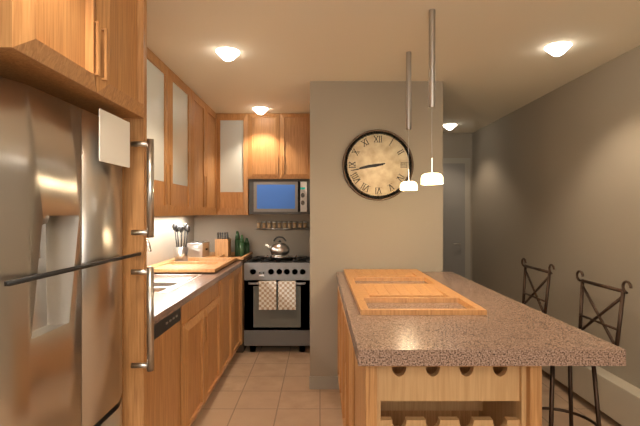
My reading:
h=8 m=43
